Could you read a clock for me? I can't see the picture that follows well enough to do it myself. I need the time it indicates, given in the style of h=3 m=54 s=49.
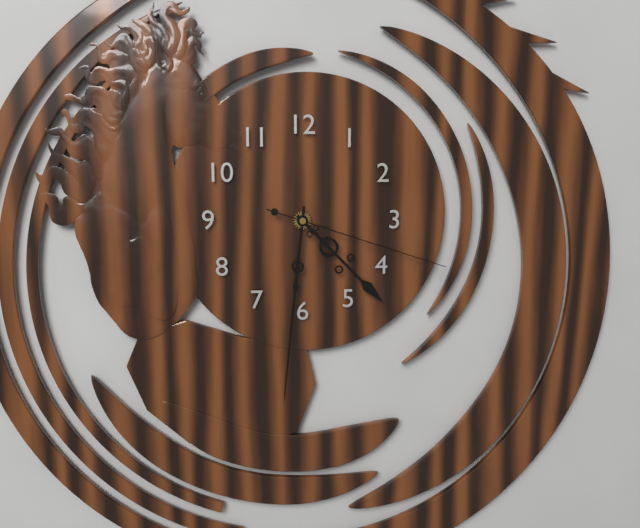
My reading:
h=4 m=31 s=18
